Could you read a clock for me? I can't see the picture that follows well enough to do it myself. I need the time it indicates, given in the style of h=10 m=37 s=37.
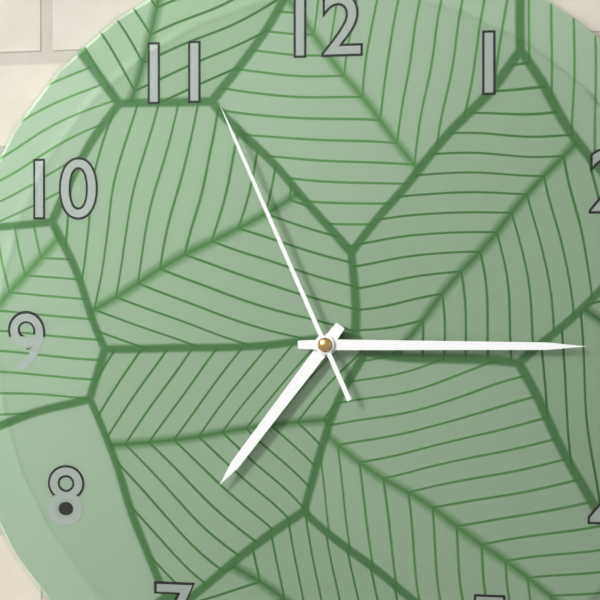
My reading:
h=7 m=15 s=56
